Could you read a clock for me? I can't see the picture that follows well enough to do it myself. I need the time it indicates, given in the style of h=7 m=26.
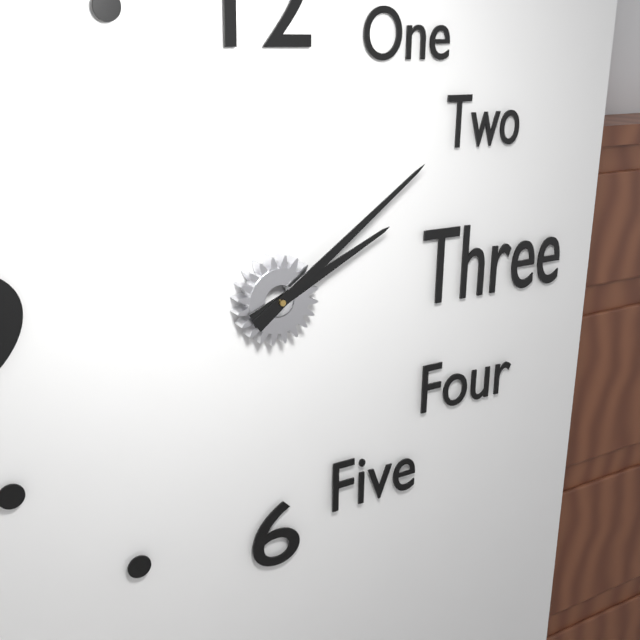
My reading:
h=2 m=9
